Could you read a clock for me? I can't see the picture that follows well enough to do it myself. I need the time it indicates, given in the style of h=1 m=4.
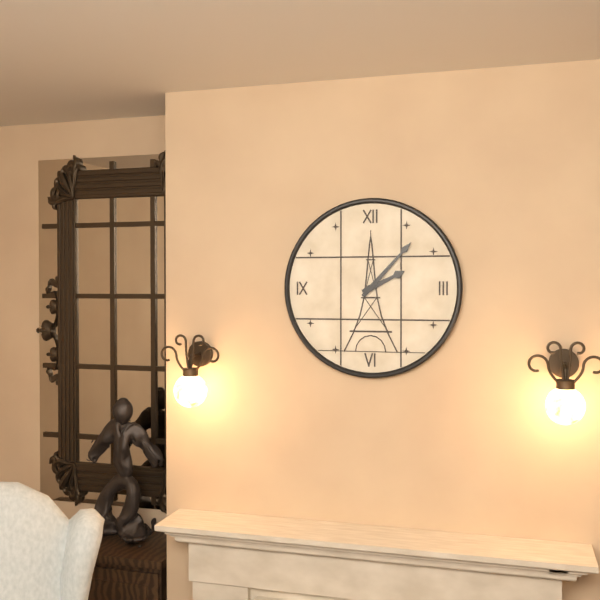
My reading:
h=2 m=7
